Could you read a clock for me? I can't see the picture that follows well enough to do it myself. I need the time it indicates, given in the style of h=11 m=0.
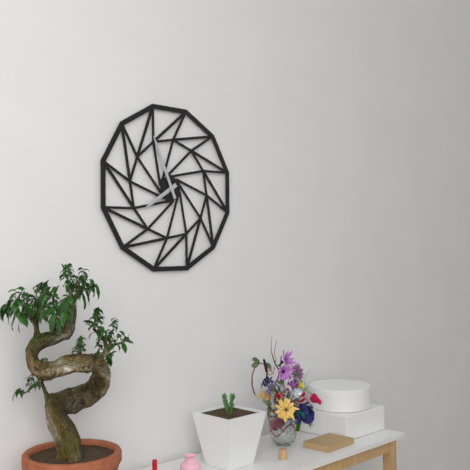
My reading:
h=7 m=56
